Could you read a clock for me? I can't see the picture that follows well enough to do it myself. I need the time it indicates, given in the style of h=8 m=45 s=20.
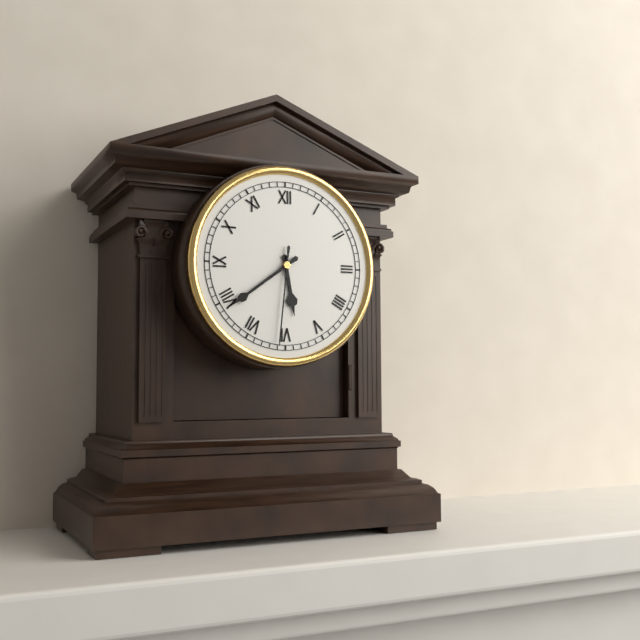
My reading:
h=5 m=39 s=31
